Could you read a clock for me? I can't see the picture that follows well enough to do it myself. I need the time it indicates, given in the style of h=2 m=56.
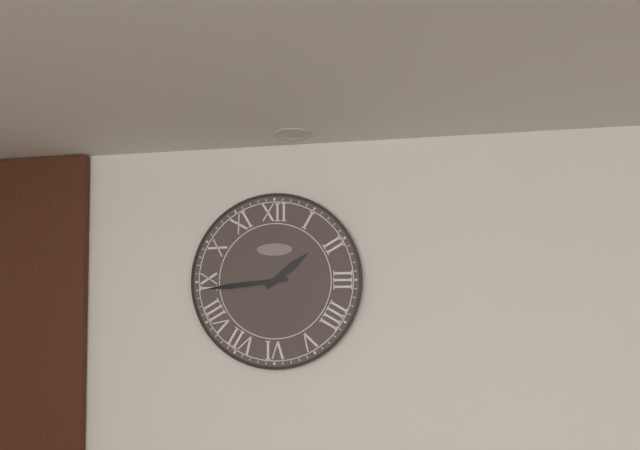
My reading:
h=1 m=44
